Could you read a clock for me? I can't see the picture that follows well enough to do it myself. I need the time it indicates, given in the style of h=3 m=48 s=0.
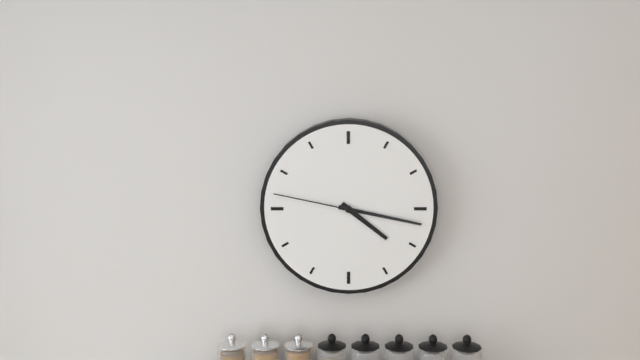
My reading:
h=4 m=17 s=47
